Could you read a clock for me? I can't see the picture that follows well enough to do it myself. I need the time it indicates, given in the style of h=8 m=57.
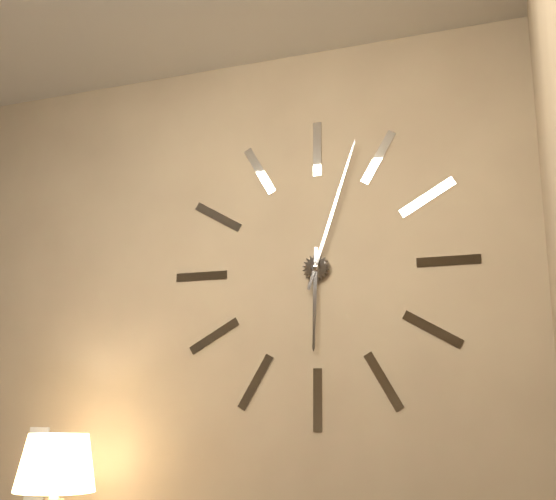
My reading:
h=6 m=3
